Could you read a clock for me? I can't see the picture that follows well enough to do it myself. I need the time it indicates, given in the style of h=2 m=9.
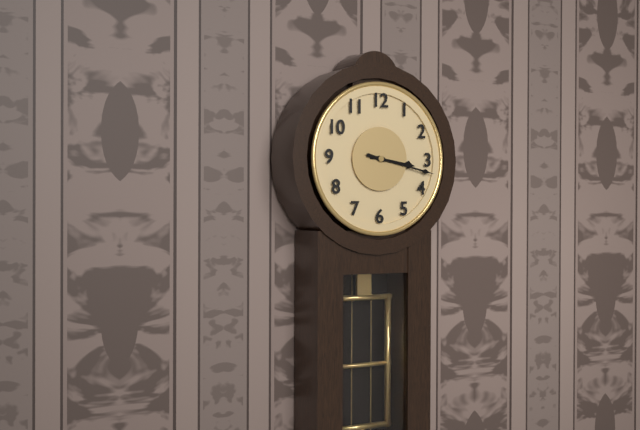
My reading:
h=3 m=17
